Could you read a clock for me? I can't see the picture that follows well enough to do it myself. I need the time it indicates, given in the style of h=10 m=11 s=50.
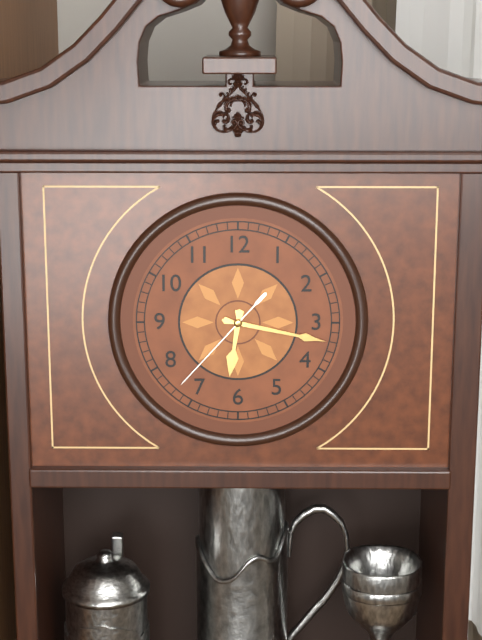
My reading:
h=6 m=17 s=37
